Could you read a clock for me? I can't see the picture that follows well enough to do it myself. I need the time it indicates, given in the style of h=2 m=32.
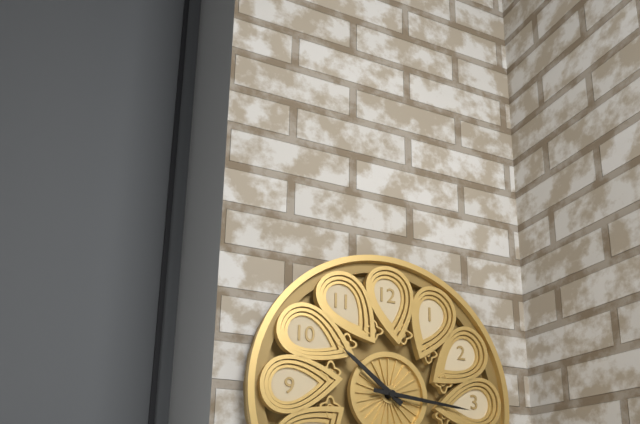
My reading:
h=10 m=16
